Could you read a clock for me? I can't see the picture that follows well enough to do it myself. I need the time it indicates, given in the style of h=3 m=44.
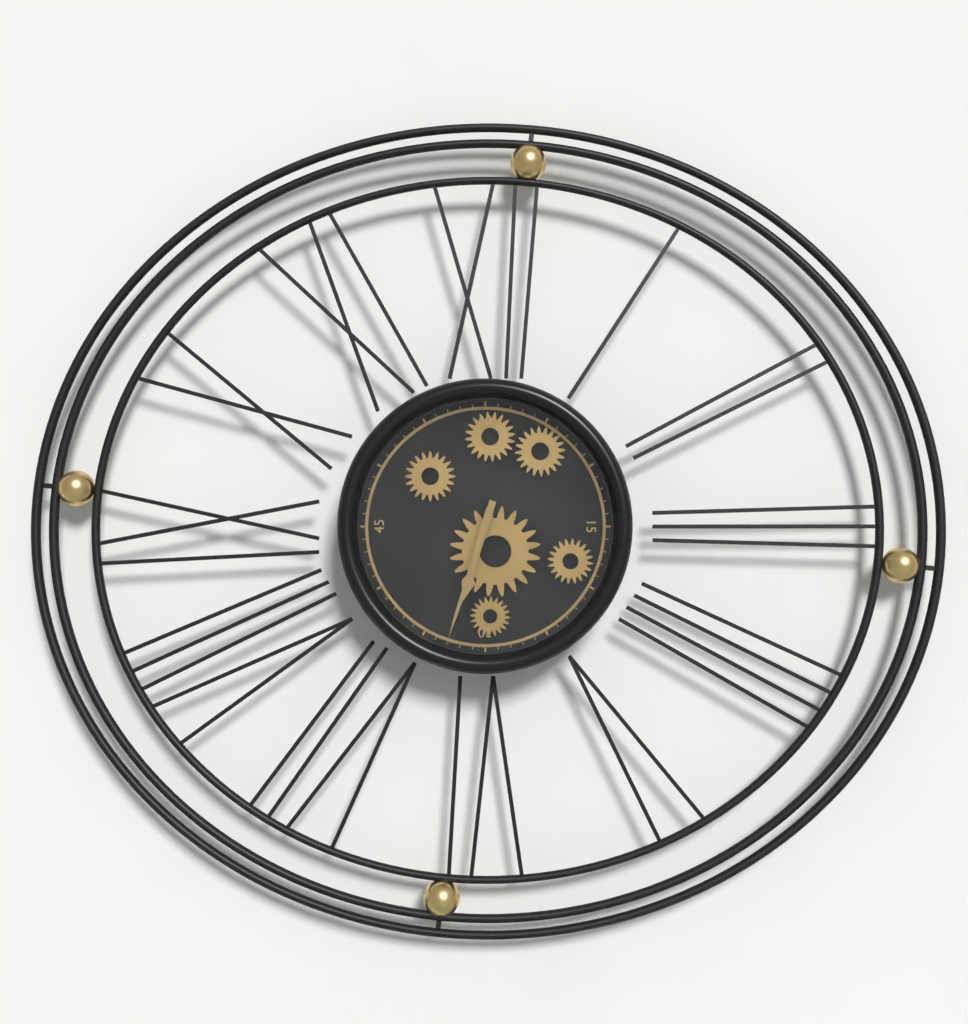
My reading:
h=6 m=33
